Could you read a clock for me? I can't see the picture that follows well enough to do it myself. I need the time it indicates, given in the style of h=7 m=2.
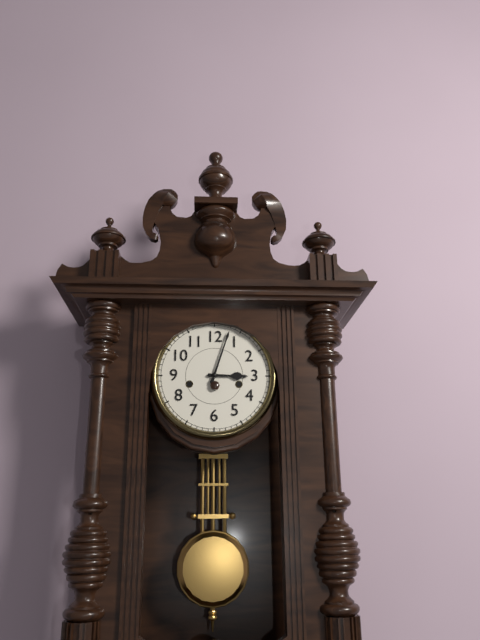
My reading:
h=3 m=3
